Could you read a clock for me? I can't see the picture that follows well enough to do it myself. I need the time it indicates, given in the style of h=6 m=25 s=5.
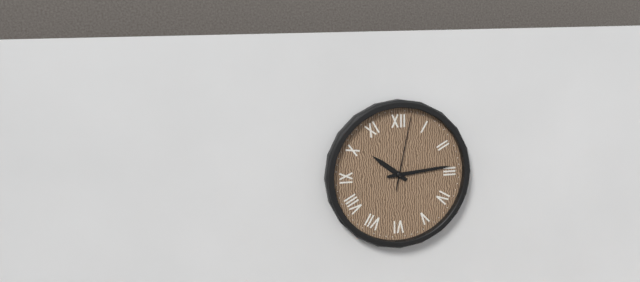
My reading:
h=10 m=14 s=2
